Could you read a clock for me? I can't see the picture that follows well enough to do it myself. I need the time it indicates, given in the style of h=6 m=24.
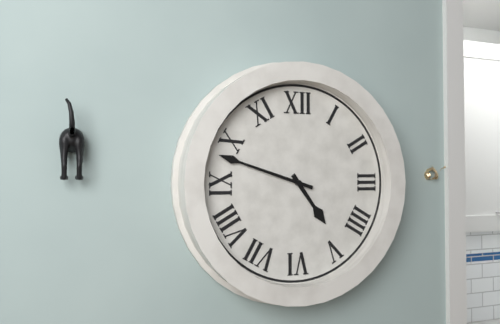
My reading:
h=4 m=48
